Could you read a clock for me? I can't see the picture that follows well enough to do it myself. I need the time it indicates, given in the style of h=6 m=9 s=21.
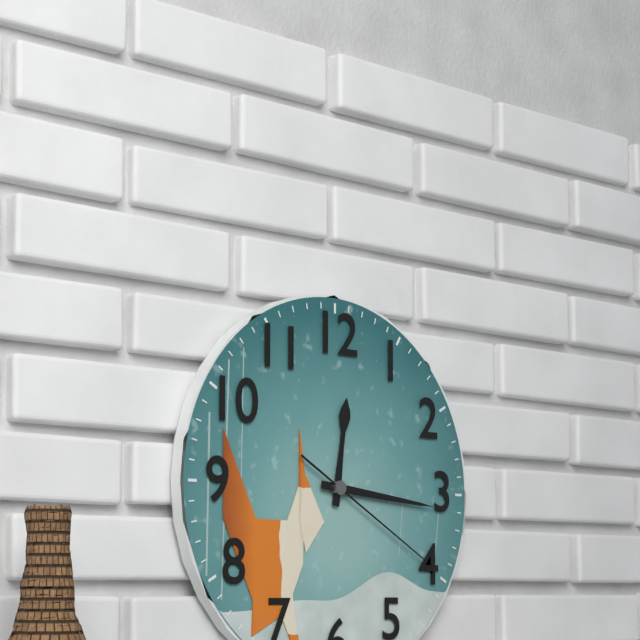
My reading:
h=12 m=16 s=20
